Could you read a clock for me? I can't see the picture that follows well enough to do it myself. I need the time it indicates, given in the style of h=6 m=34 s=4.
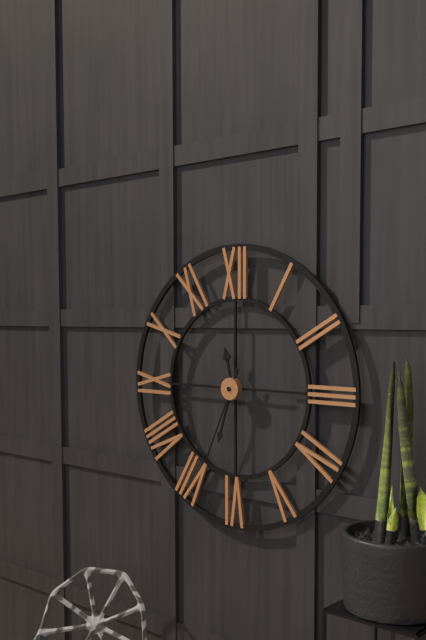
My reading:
h=11 m=33 s=34
